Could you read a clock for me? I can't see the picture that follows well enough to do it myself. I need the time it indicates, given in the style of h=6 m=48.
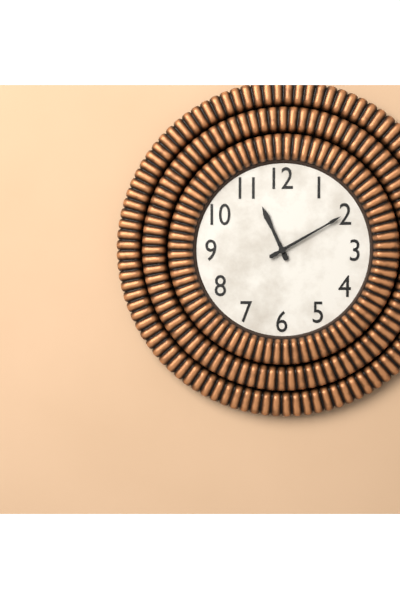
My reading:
h=11 m=10
